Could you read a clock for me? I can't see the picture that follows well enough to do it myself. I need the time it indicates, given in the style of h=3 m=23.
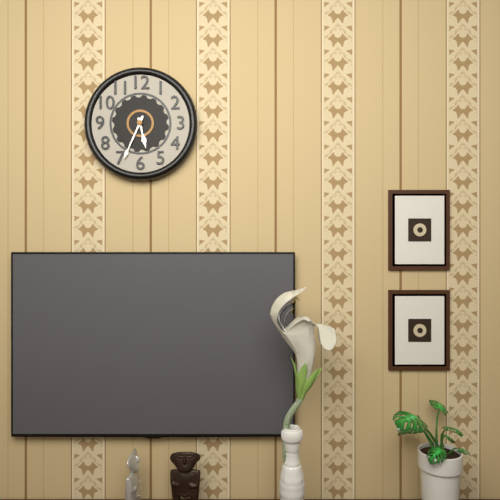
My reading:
h=5 m=34
